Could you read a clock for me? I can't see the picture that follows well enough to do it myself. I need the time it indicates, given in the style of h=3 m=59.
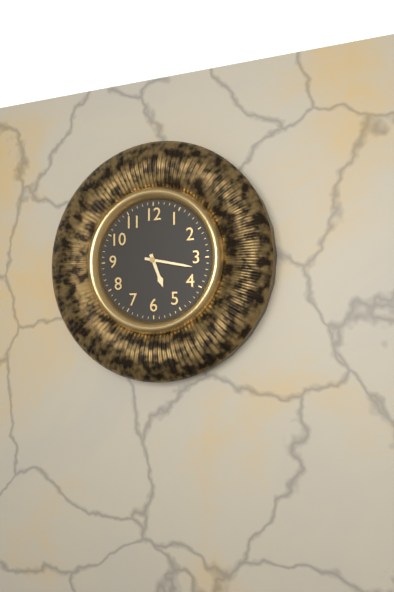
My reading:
h=5 m=17
